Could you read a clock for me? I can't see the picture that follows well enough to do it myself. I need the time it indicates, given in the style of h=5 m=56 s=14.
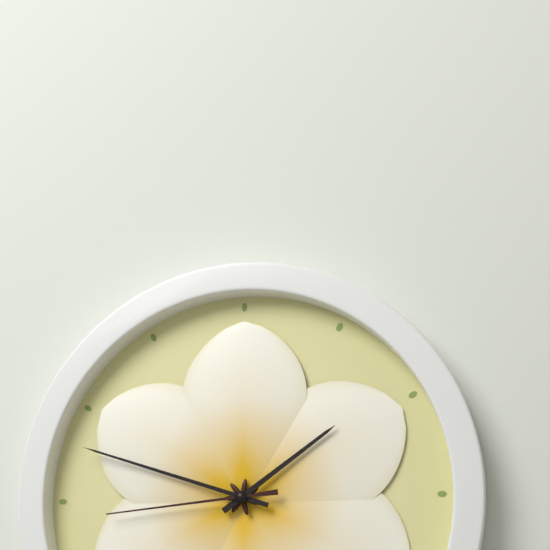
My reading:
h=1 m=48 s=44
